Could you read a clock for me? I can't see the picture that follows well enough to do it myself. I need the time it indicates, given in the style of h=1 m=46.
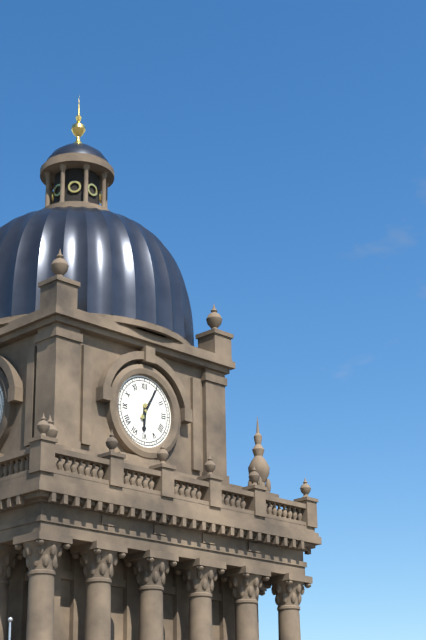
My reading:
h=6 m=5
